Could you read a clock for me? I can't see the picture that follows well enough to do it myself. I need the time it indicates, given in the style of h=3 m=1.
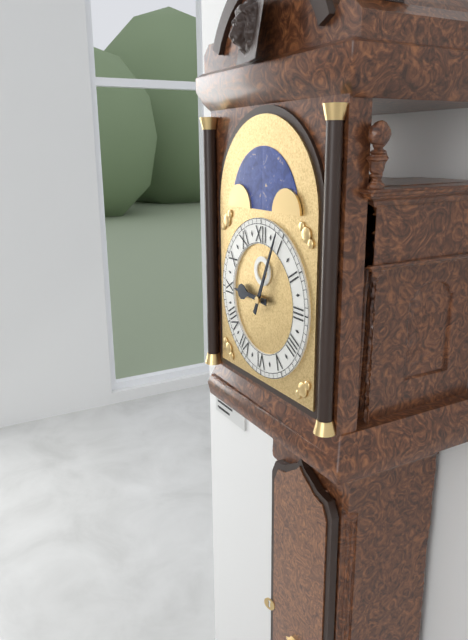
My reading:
h=9 m=4
